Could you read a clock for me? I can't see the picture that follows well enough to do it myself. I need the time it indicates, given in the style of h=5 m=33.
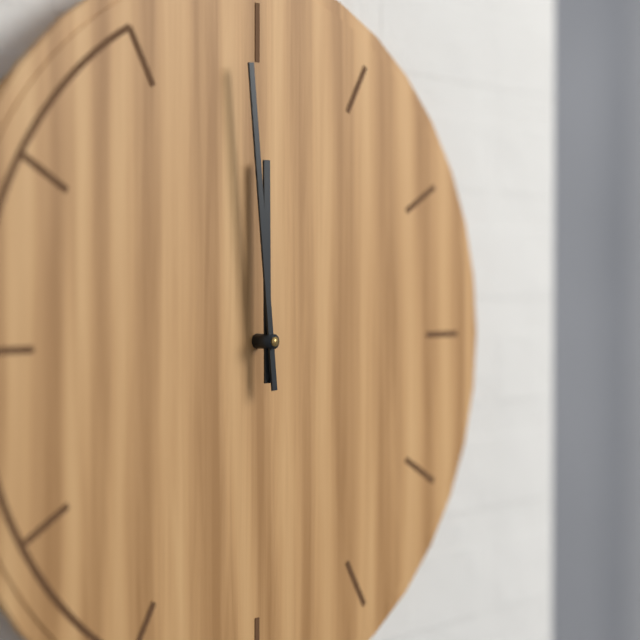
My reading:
h=11 m=59
